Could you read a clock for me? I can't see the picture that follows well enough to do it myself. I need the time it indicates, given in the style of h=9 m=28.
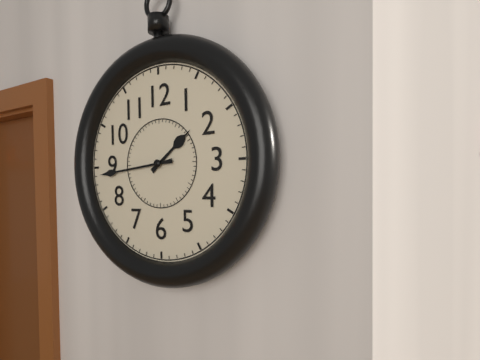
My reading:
h=1 m=44
